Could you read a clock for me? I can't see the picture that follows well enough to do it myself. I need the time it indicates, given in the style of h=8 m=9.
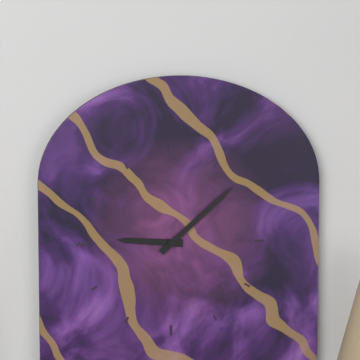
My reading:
h=9 m=8
